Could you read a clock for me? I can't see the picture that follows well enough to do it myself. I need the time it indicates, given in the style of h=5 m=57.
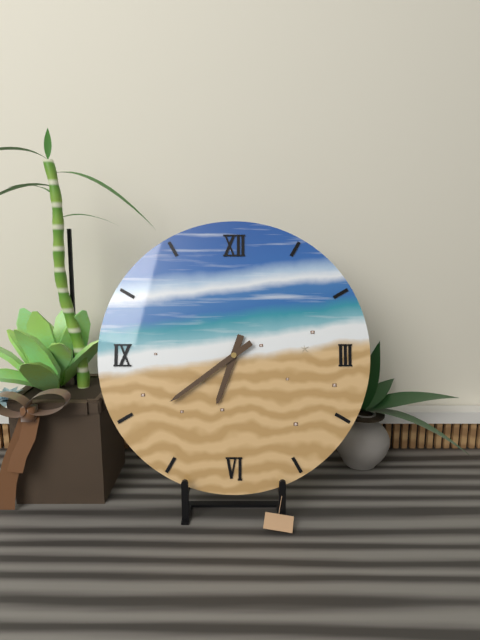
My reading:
h=6 m=39
